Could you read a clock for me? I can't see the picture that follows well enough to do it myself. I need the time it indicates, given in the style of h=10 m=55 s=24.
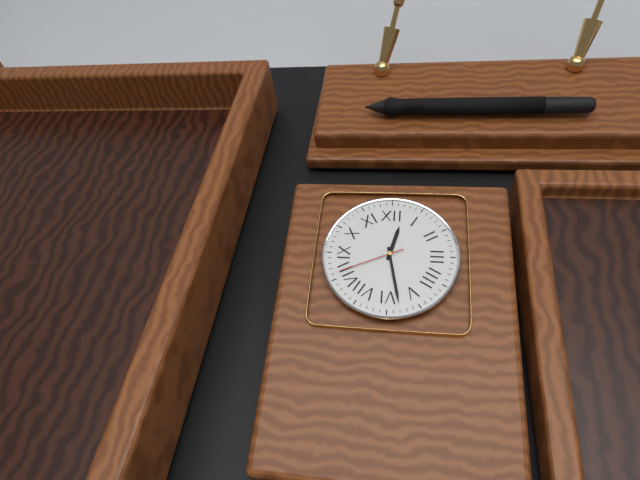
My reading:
h=12 m=28 s=41
